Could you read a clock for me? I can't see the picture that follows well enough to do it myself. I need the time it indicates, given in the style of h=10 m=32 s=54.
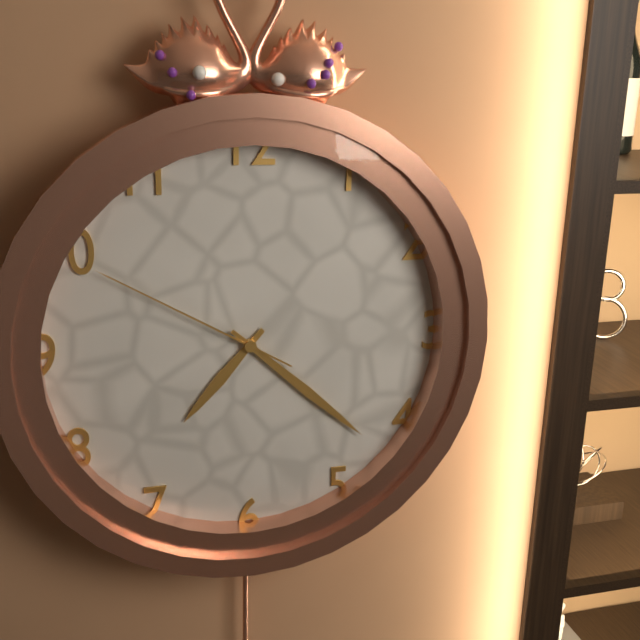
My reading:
h=7 m=22 s=50
